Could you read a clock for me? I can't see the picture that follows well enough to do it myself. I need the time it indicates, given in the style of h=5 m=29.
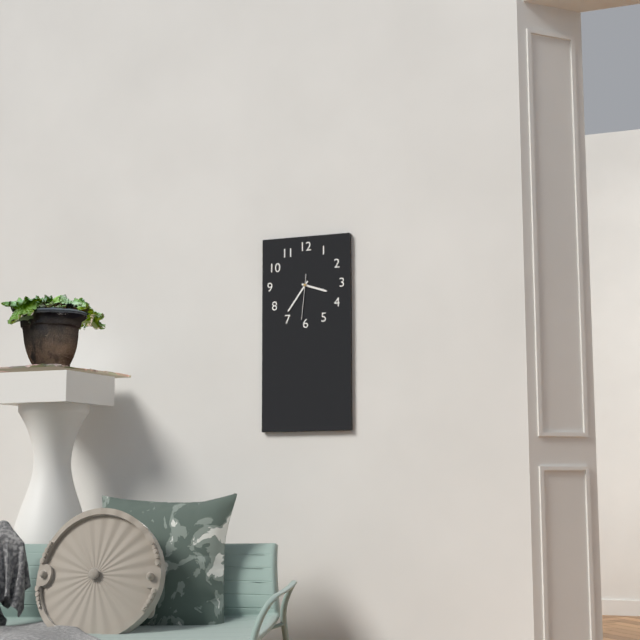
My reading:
h=3 m=36
